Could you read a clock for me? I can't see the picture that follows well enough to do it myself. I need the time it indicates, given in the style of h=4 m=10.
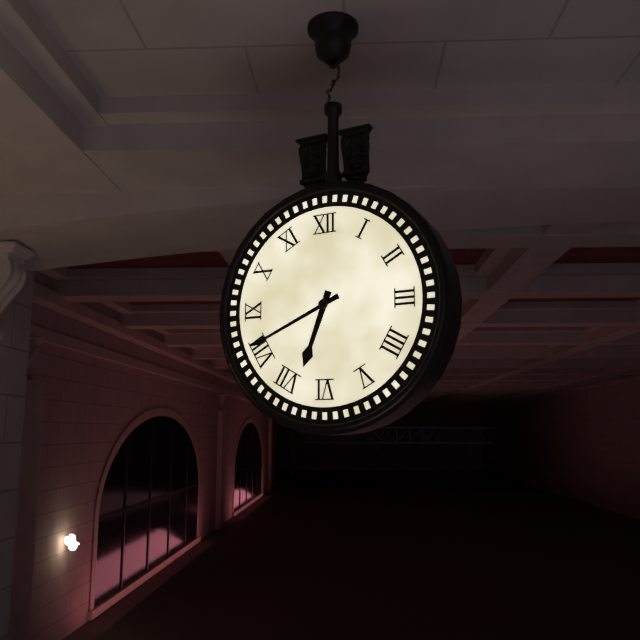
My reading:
h=6 m=41
